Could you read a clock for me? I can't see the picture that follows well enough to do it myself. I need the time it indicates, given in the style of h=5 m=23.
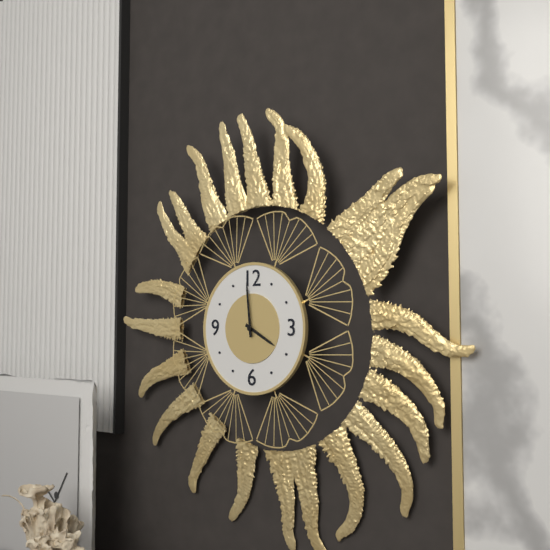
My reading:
h=3 m=59
